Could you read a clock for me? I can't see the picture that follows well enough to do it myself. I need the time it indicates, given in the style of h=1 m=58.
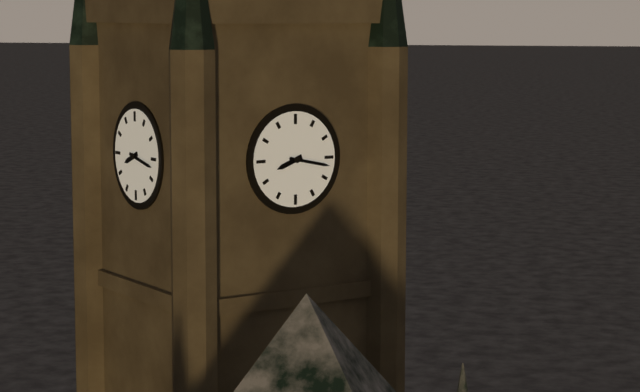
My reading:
h=8 m=17
